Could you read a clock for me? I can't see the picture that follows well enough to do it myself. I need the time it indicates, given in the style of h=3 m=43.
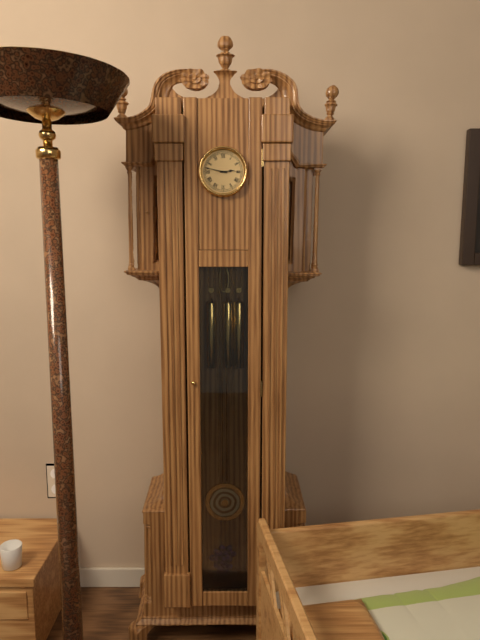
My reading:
h=2 m=47
